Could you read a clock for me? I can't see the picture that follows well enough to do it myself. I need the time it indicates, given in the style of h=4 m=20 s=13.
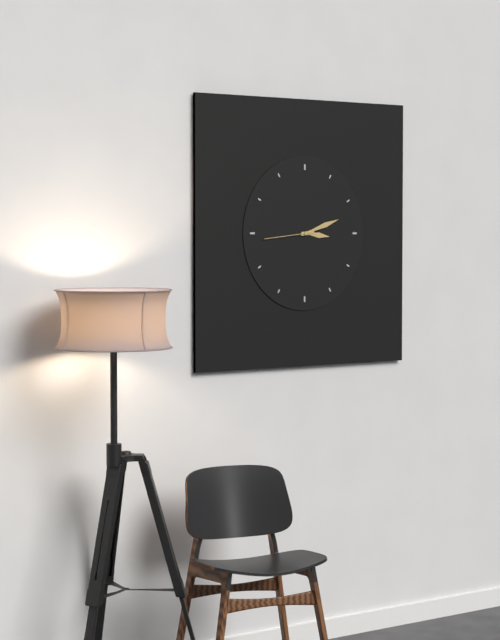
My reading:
h=3 m=12 s=44
